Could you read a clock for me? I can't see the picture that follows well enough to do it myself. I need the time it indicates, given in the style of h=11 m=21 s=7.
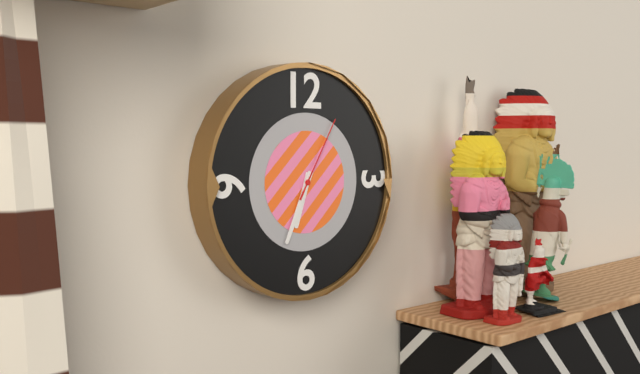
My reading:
h=6 m=34 s=5
